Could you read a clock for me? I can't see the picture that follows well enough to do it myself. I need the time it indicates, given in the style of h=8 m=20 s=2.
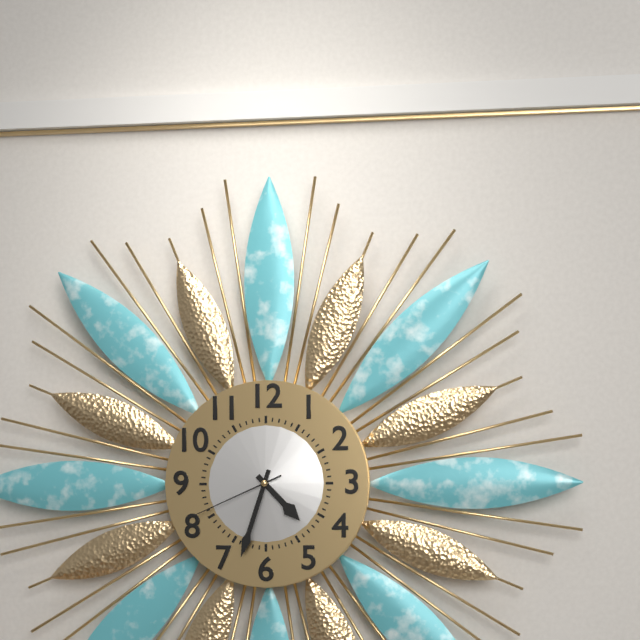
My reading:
h=4 m=33 s=41
